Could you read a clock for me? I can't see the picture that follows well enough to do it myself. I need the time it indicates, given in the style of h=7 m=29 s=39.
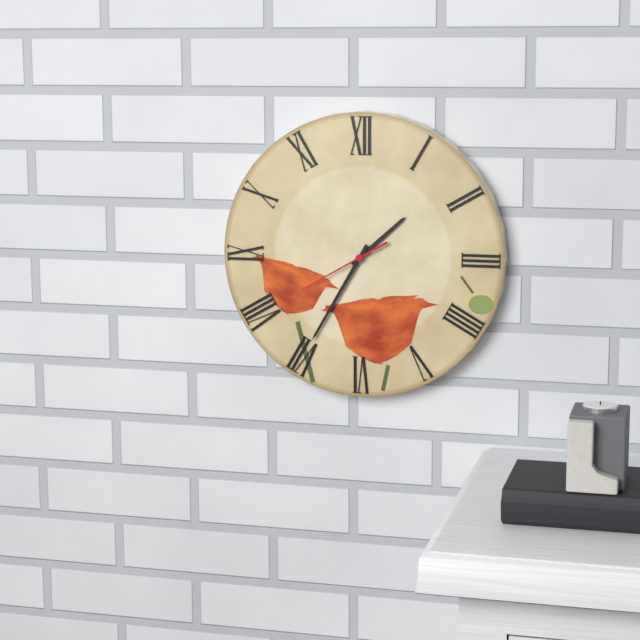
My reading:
h=1 m=35 s=40
